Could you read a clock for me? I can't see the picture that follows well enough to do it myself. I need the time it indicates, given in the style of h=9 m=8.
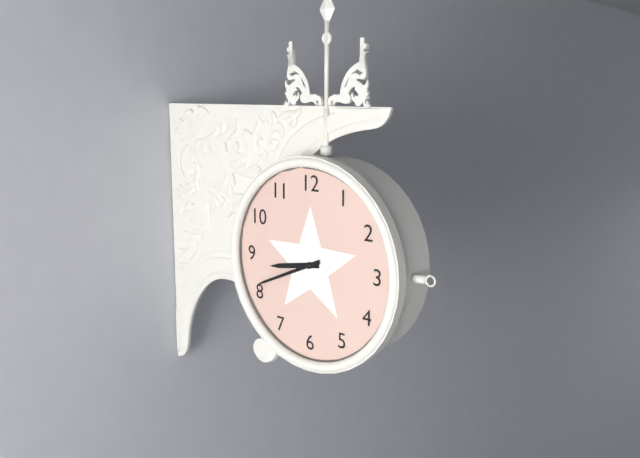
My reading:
h=8 m=41
